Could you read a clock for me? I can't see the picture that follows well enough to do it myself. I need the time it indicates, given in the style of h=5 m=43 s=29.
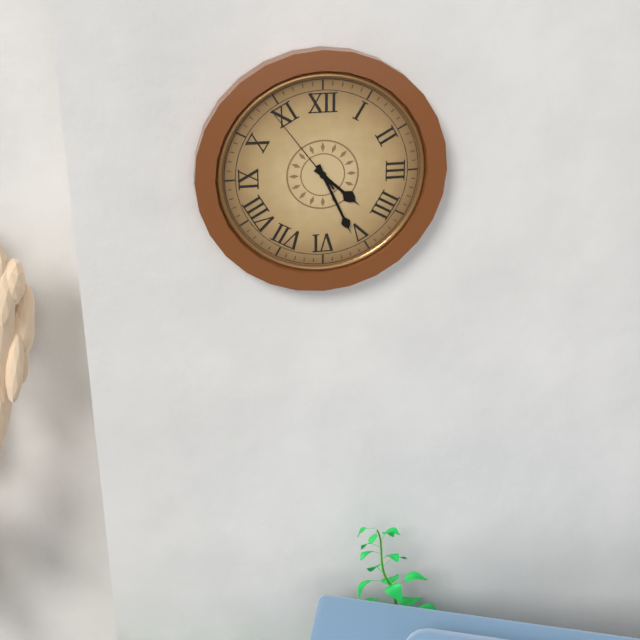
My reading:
h=4 m=26 s=54
